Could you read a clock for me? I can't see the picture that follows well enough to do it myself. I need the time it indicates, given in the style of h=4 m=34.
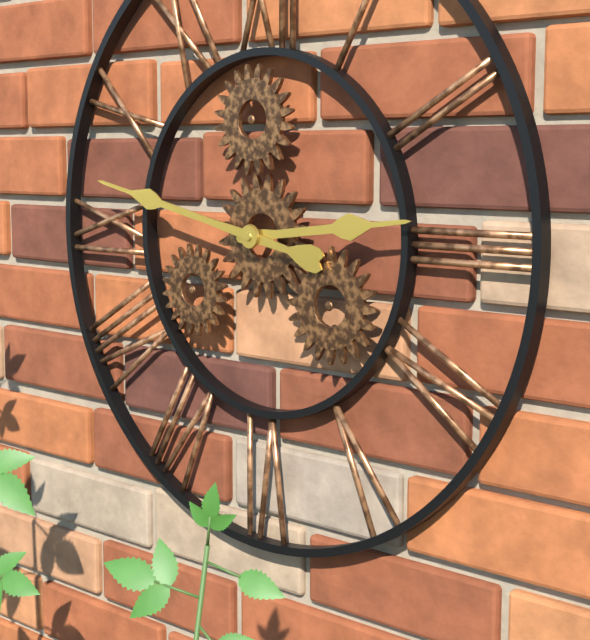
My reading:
h=2 m=47
